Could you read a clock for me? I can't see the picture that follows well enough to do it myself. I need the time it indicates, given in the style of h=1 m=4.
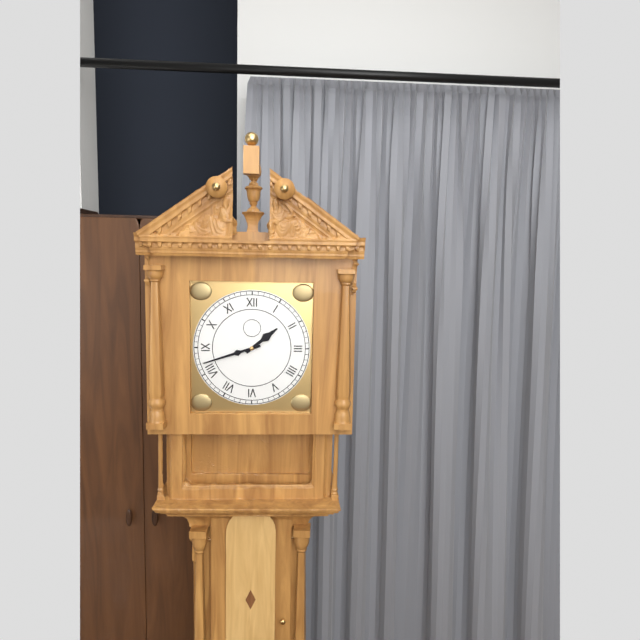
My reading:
h=1 m=42
